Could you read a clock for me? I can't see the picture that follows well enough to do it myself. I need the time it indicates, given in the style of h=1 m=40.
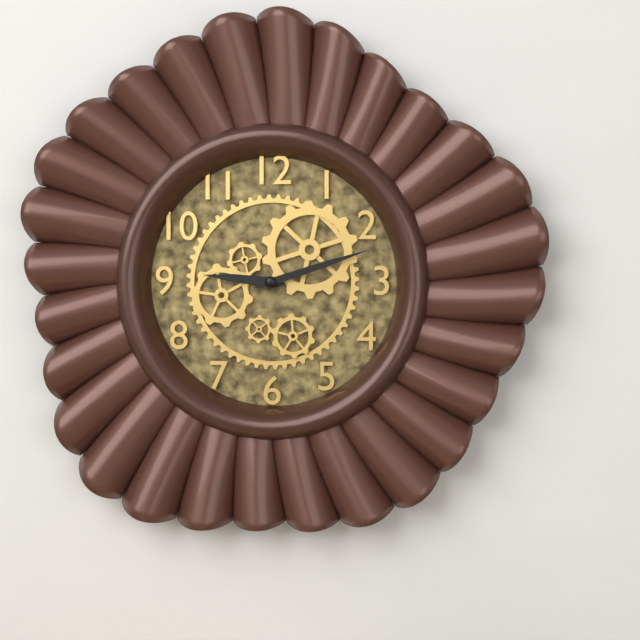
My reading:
h=9 m=12
